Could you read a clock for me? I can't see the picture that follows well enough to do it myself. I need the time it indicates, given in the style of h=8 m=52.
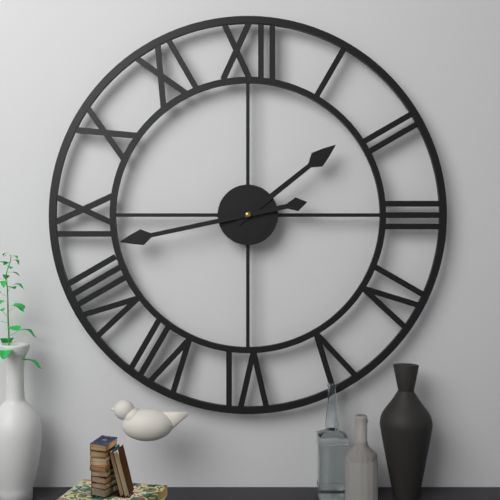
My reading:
h=1 m=43
